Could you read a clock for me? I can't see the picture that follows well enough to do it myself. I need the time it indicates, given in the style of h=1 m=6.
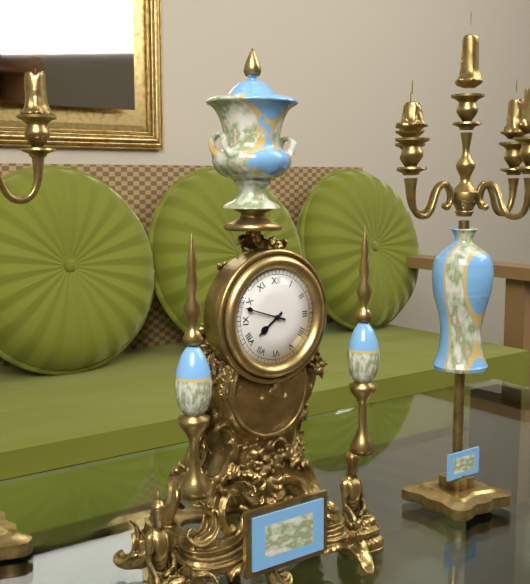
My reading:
h=7 m=48
